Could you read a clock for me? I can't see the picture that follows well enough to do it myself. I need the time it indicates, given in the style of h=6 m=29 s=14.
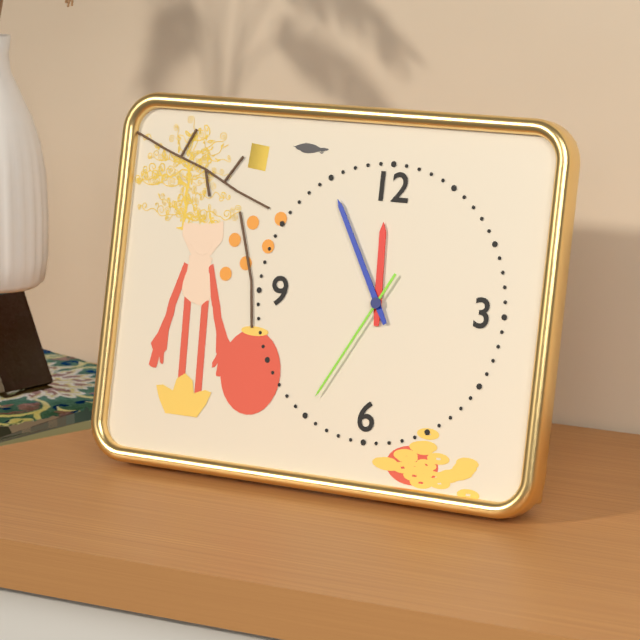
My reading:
h=11 m=55 s=35
